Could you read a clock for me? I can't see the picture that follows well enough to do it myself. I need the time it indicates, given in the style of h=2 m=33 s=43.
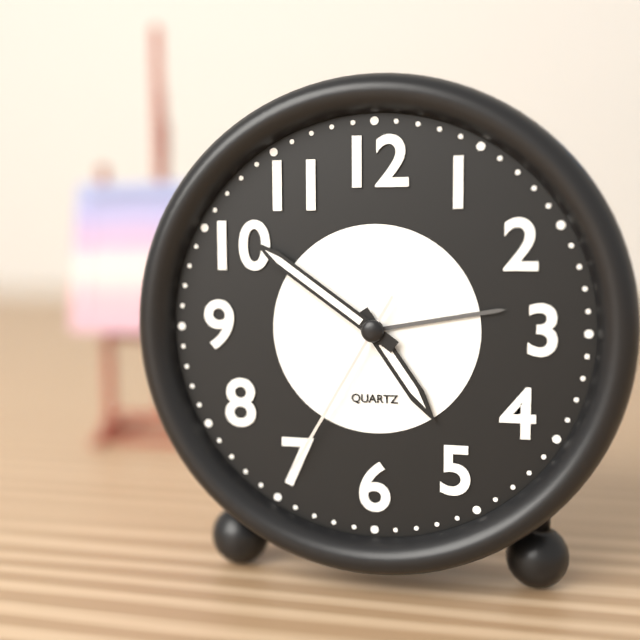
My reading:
h=4 m=51 s=35
